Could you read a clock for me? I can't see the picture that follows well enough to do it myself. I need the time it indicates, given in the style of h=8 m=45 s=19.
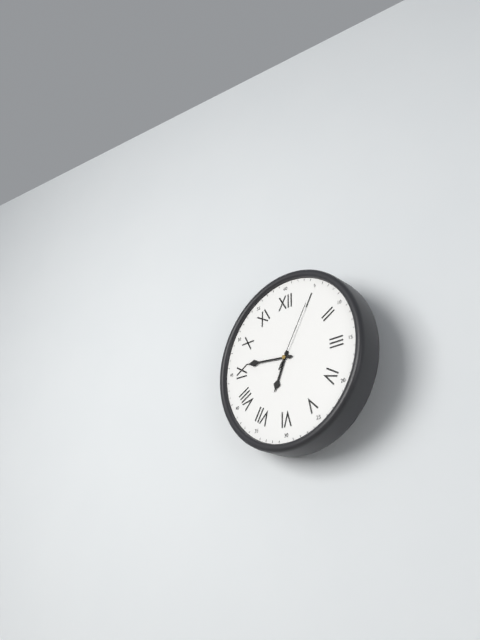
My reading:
h=6 m=46 s=5
